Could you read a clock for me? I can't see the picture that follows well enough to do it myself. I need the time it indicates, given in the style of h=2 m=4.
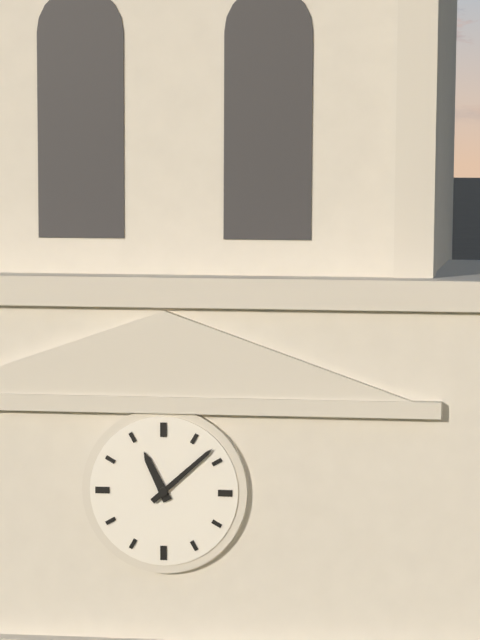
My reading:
h=11 m=8
